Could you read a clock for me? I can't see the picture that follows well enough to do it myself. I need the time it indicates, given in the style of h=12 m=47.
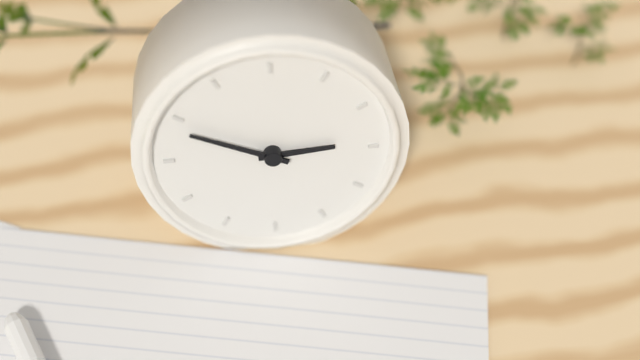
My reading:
h=2 m=49
